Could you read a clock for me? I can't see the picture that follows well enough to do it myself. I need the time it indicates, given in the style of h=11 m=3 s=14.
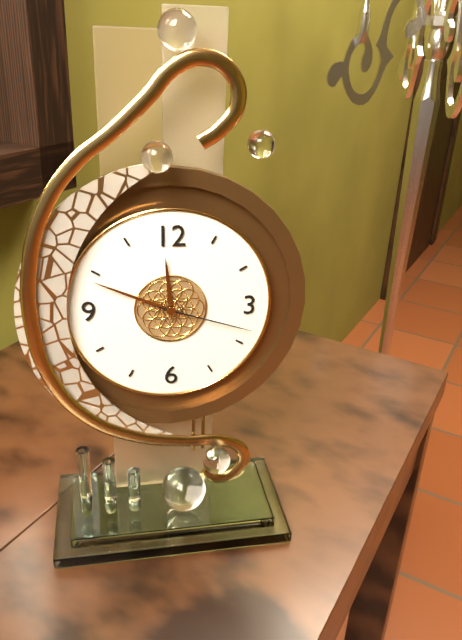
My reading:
h=11 m=49 s=18
